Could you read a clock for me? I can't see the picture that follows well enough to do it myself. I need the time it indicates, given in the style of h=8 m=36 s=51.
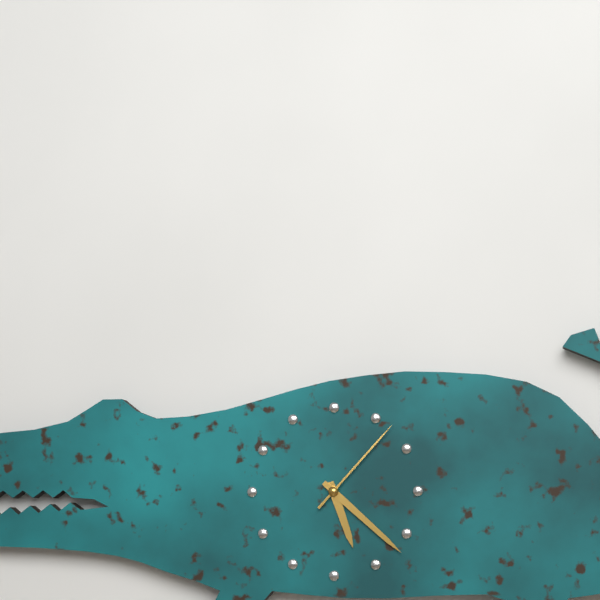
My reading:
h=5 m=22 s=7
